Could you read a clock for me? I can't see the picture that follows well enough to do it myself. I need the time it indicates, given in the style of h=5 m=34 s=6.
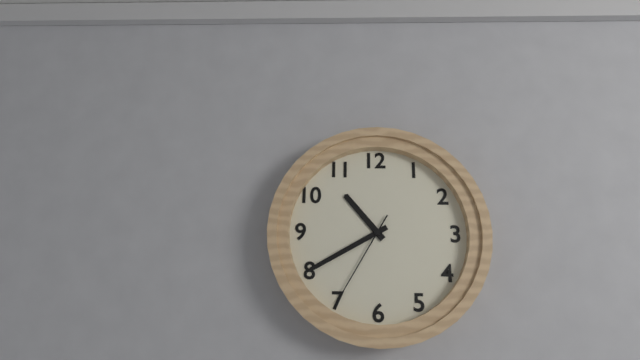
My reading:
h=10 m=40 s=35
